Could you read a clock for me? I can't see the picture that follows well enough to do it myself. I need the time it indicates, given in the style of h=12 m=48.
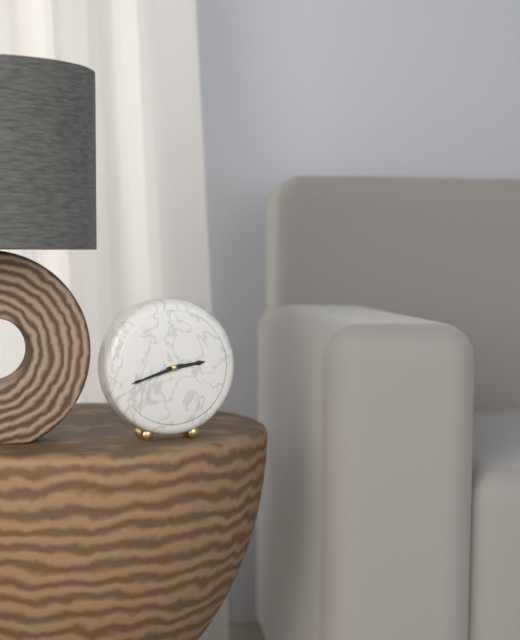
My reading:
h=2 m=42
